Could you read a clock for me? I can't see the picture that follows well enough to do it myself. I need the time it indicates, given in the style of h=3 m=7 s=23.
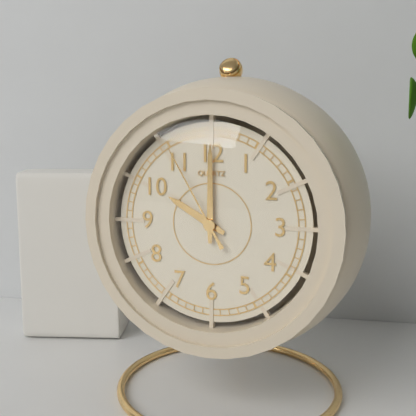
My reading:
h=10 m=0 s=55
